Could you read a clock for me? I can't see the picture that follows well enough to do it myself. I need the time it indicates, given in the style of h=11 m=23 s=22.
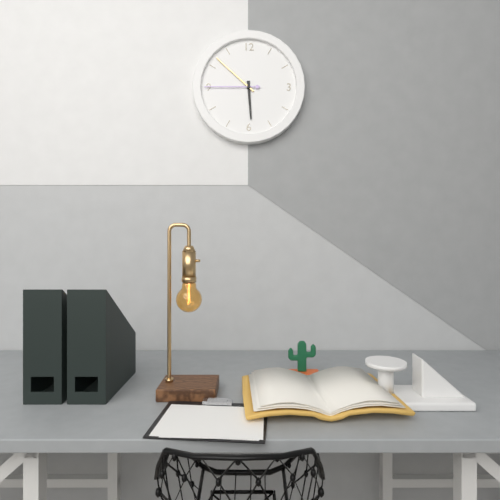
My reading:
h=5 m=52 s=45
